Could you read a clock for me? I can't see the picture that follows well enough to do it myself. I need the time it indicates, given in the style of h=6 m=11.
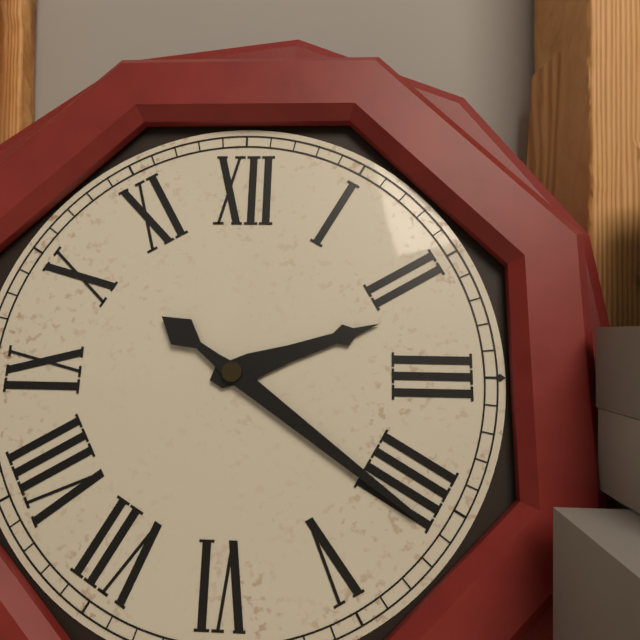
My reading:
h=2 m=21
